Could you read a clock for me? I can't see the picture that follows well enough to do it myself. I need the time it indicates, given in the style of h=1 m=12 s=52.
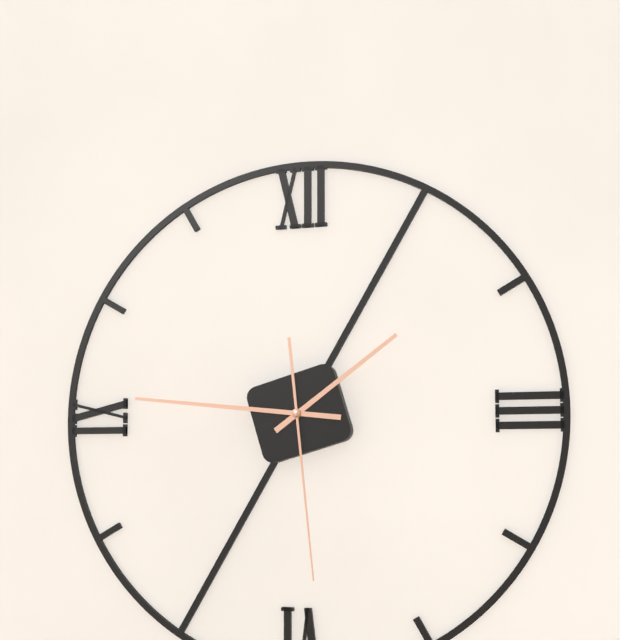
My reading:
h=1 m=46 s=29
